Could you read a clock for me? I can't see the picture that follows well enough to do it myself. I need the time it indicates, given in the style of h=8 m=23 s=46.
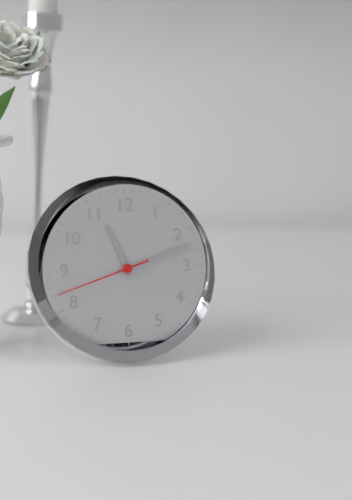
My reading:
h=11 m=12 s=42
